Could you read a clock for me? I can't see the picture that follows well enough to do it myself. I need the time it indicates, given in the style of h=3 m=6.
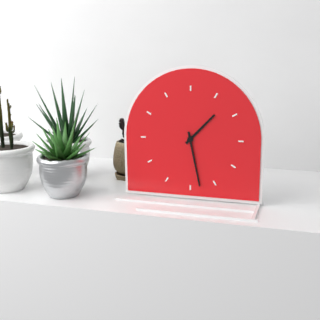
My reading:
h=1 m=28
